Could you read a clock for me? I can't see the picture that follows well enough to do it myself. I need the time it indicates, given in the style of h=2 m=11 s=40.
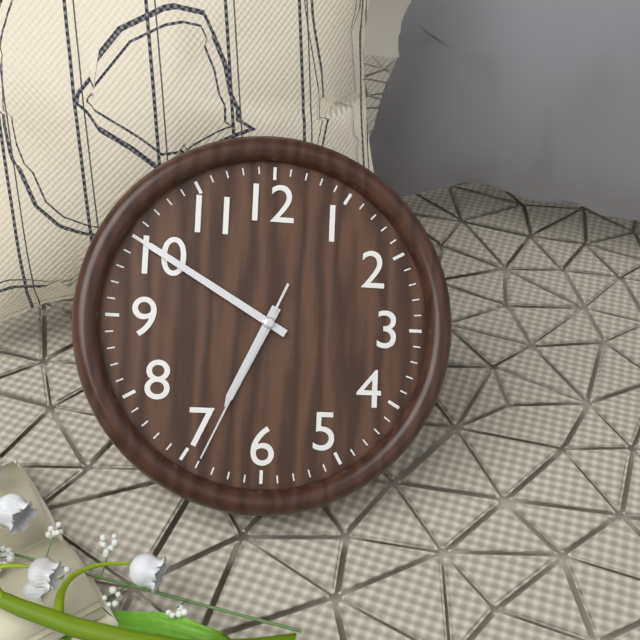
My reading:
h=6 m=50 s=34
